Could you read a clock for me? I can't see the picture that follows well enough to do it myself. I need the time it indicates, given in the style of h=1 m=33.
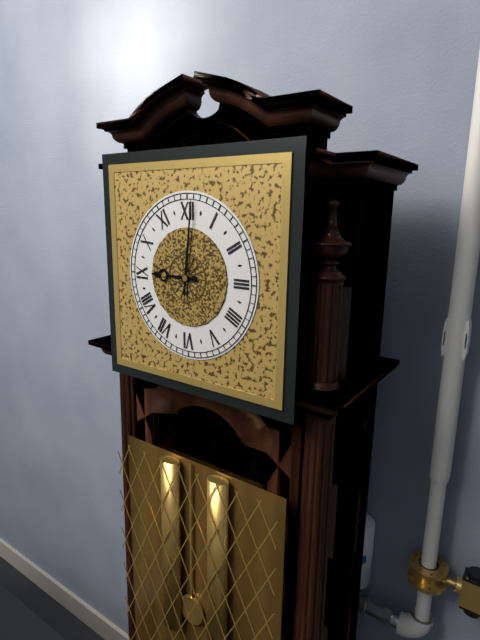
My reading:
h=9 m=1
